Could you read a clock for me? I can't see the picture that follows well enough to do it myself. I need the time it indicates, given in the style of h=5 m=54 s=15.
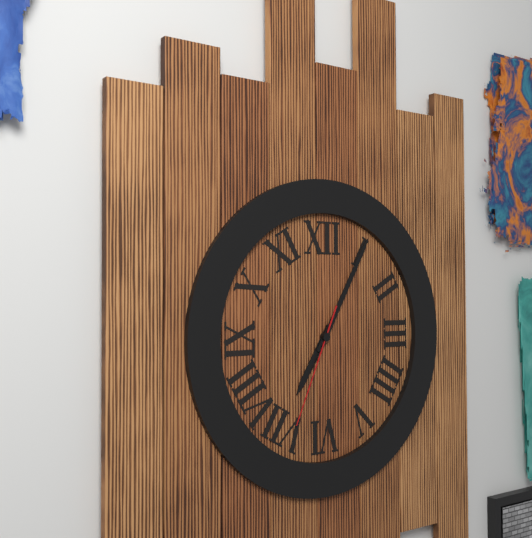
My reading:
h=7 m=5 s=34
